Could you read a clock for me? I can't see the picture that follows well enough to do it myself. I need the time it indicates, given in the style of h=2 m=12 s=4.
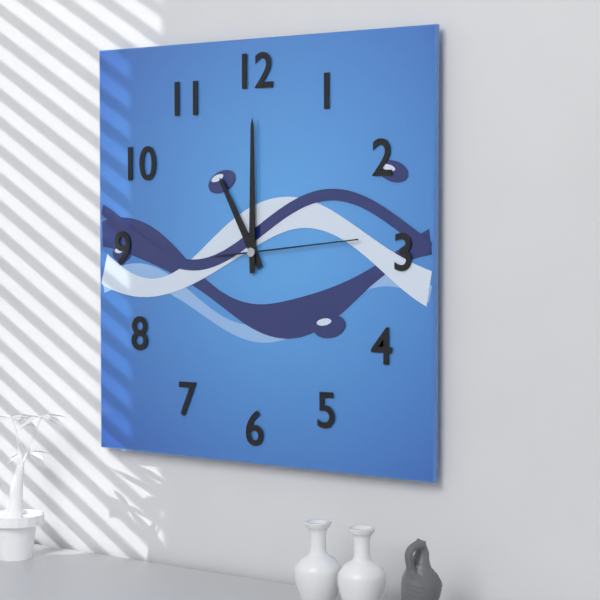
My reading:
h=11 m=0 s=14
